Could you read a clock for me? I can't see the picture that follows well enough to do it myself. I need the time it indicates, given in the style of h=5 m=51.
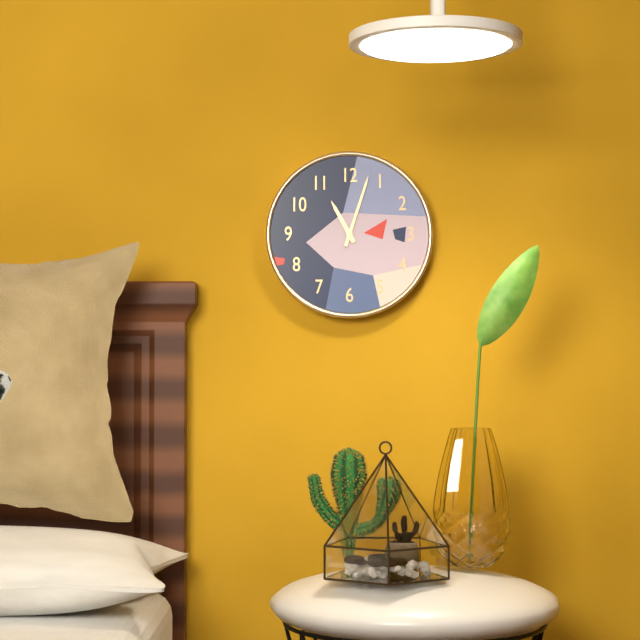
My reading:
h=11 m=3
